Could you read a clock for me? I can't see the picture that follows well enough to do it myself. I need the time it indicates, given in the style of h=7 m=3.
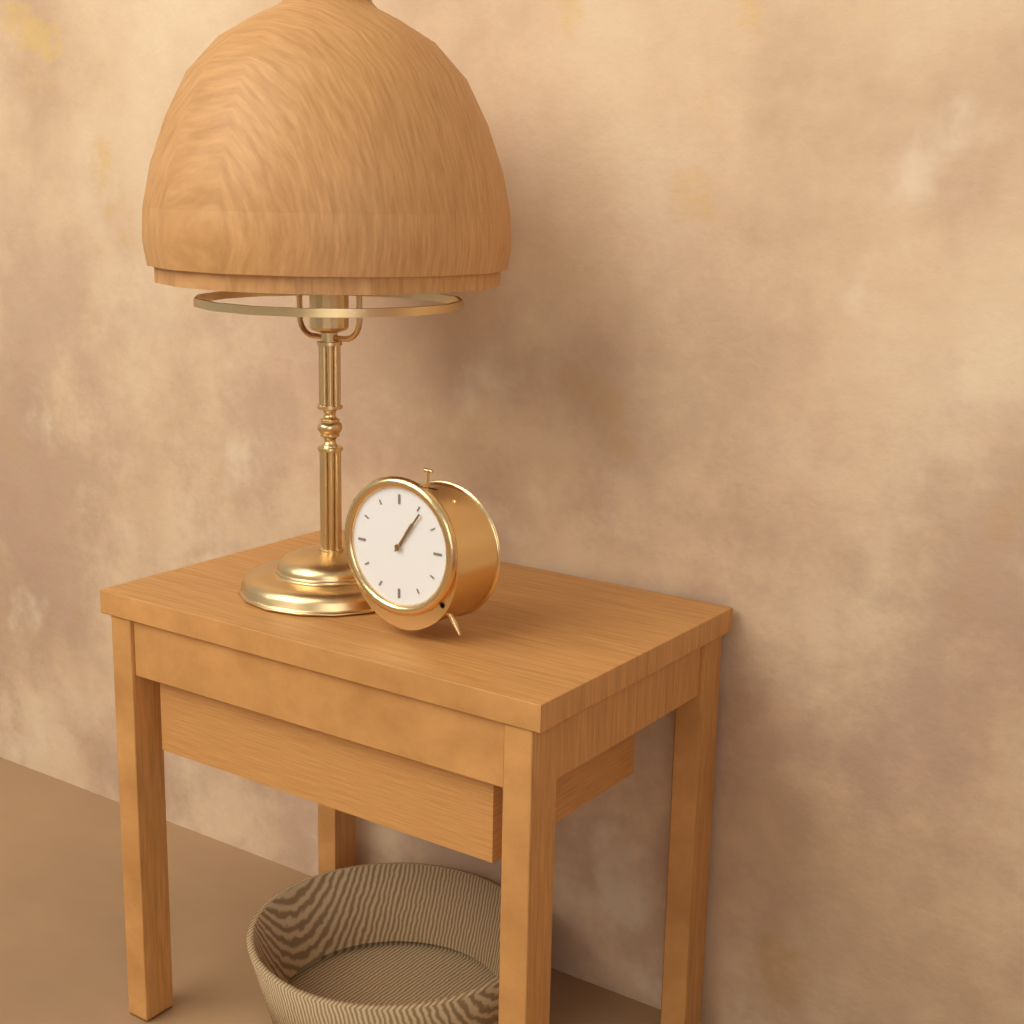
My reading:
h=1 m=6
